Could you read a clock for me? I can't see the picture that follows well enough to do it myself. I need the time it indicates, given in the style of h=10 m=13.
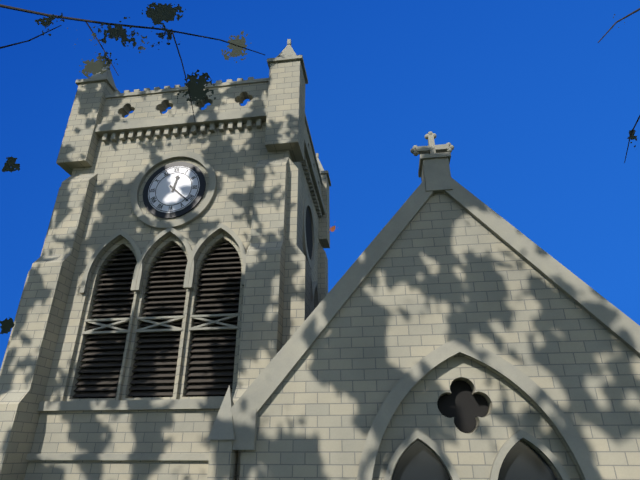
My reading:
h=12 m=22
